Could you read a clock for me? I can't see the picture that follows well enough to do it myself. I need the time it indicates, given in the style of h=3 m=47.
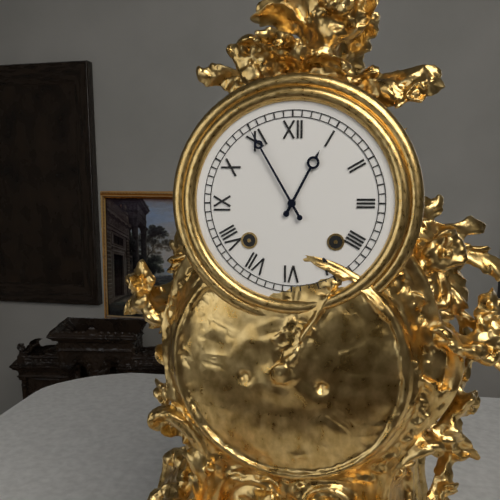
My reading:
h=12 m=55
